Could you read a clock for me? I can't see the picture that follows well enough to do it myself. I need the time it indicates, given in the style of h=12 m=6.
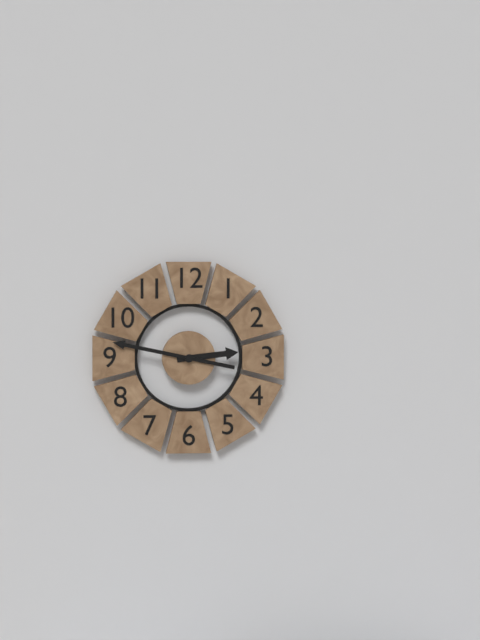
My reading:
h=2 m=47
